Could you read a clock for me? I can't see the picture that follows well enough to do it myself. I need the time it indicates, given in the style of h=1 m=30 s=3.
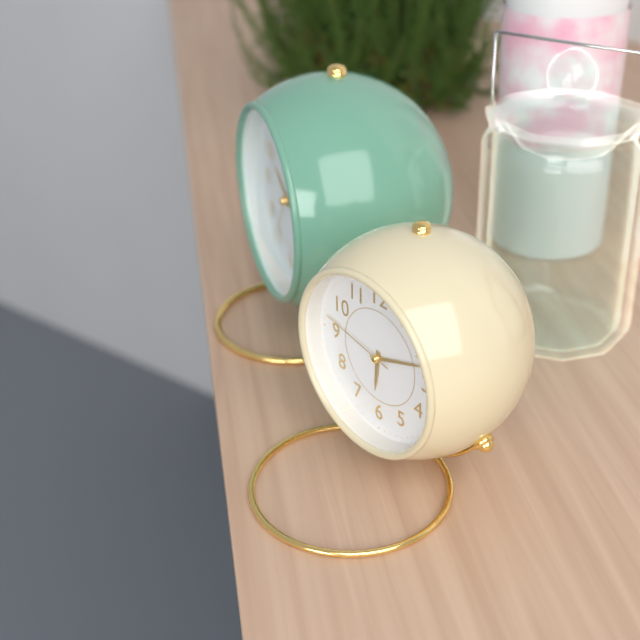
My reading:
h=6 m=12 s=47
